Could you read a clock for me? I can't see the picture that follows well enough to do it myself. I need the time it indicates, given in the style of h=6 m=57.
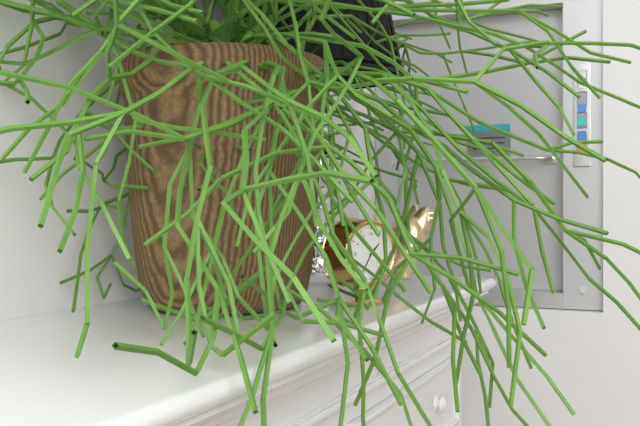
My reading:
h=1 m=35
